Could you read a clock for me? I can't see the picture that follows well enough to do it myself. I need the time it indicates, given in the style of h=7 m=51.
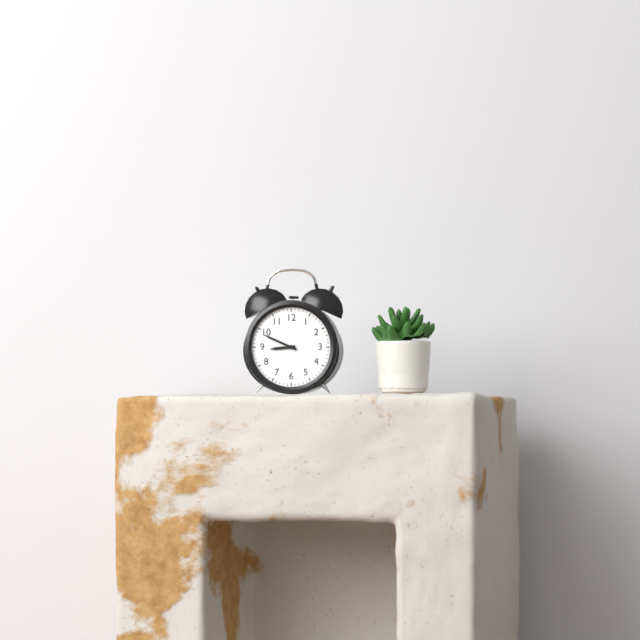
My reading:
h=8 m=49
